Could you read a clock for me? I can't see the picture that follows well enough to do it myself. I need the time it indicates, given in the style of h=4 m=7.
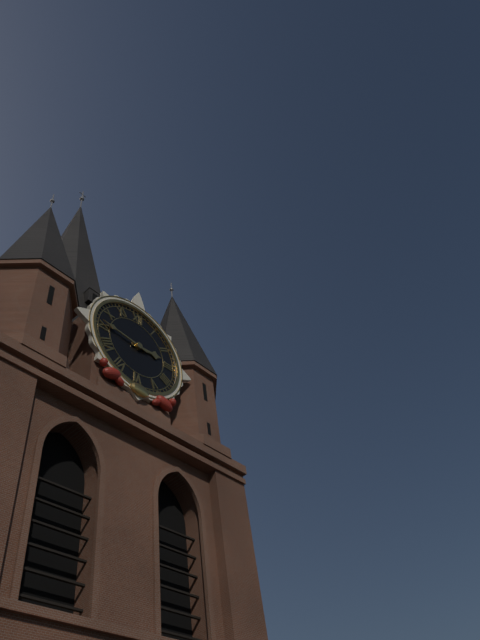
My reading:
h=2 m=46
